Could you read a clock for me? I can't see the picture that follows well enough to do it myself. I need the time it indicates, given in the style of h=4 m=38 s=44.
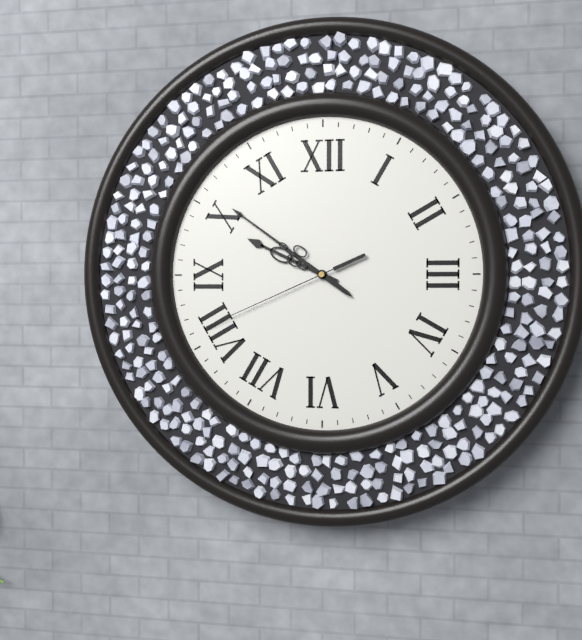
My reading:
h=9 m=51 s=41
